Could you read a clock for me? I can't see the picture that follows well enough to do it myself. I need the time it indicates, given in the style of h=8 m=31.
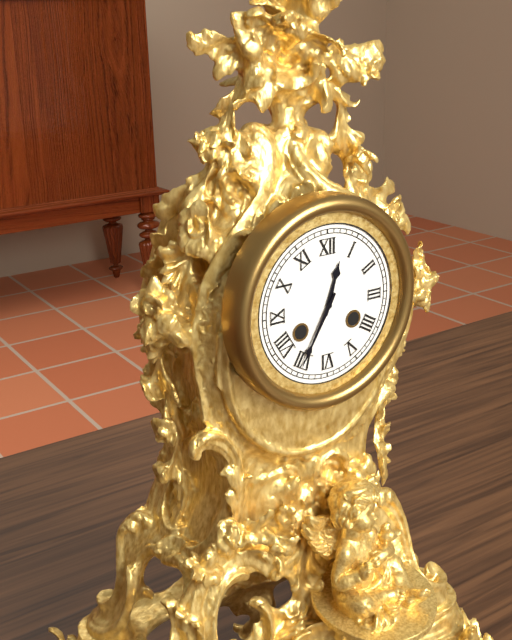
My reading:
h=12 m=35
